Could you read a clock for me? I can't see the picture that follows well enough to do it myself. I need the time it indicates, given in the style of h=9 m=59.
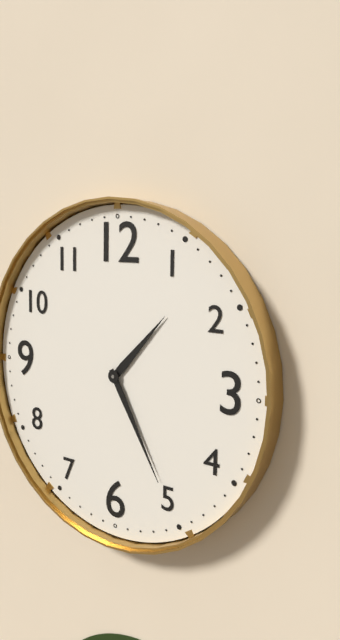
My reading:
h=1 m=25
